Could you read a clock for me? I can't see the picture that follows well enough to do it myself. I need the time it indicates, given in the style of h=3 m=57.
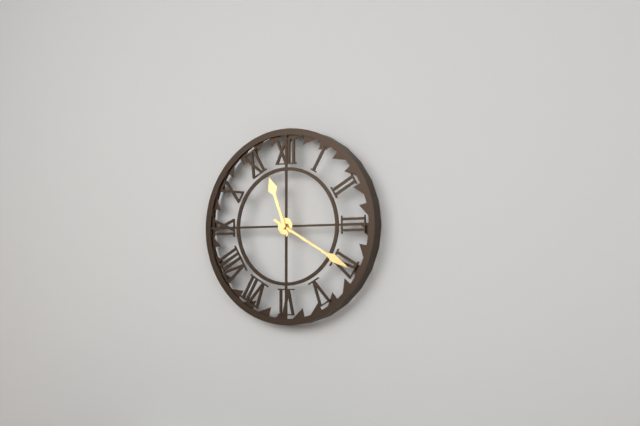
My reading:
h=11 m=20
